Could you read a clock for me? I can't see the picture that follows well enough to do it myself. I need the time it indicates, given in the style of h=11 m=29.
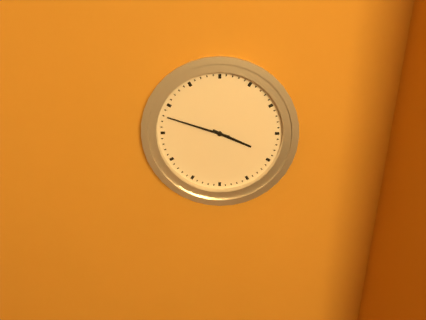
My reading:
h=3 m=48
